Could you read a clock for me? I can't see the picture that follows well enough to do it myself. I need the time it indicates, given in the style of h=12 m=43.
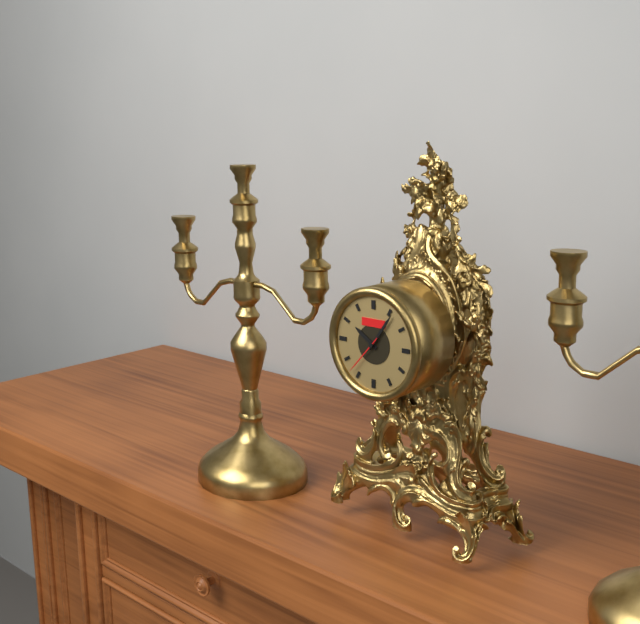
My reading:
h=10 m=6
